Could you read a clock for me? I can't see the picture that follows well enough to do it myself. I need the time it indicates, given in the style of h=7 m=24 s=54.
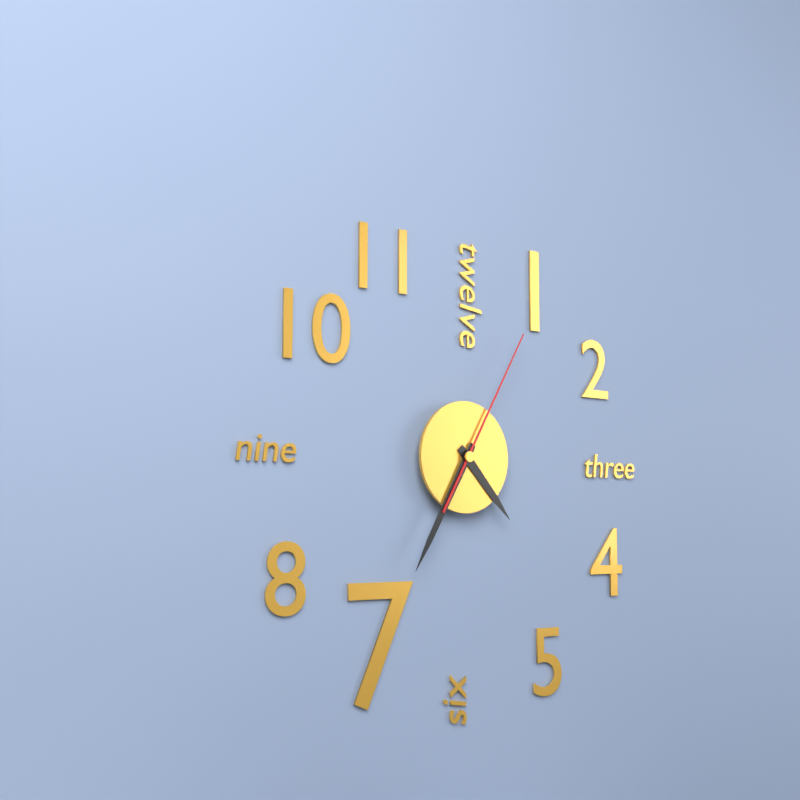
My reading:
h=4 m=35 s=5
